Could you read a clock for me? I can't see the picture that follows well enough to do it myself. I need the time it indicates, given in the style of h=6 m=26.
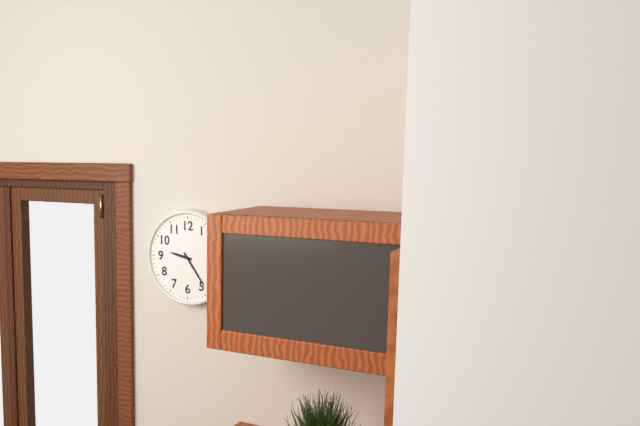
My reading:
h=9 m=24
